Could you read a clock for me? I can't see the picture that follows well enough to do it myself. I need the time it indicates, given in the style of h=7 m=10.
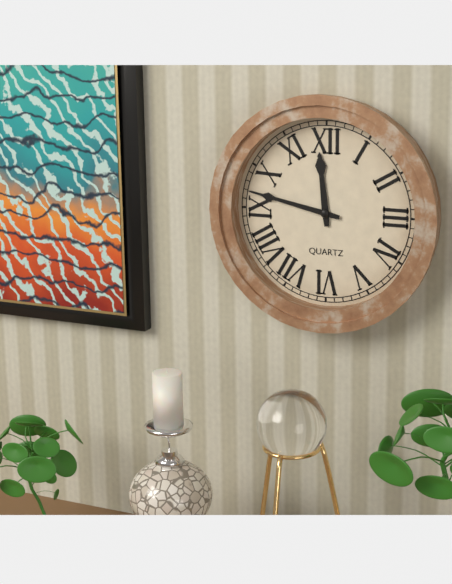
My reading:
h=11 m=47
